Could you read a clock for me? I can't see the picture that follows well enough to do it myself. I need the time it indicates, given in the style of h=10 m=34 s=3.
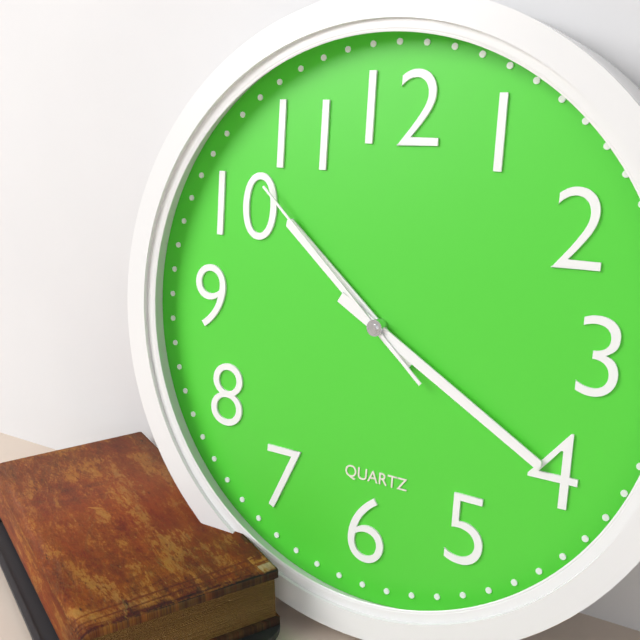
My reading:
h=10 m=20 s=52
